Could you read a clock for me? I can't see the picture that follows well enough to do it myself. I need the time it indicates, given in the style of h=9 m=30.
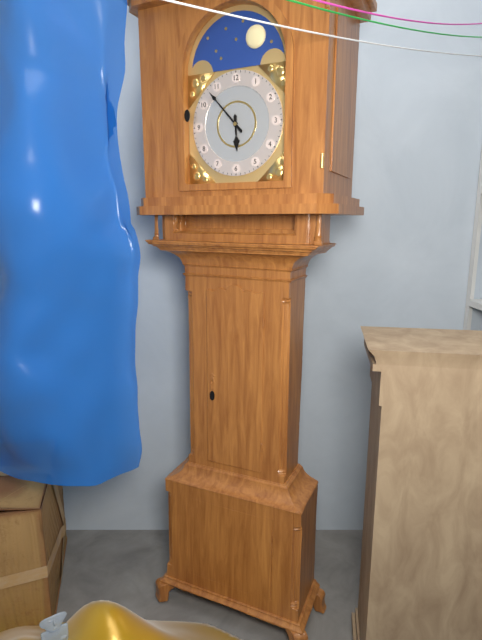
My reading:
h=5 m=53
